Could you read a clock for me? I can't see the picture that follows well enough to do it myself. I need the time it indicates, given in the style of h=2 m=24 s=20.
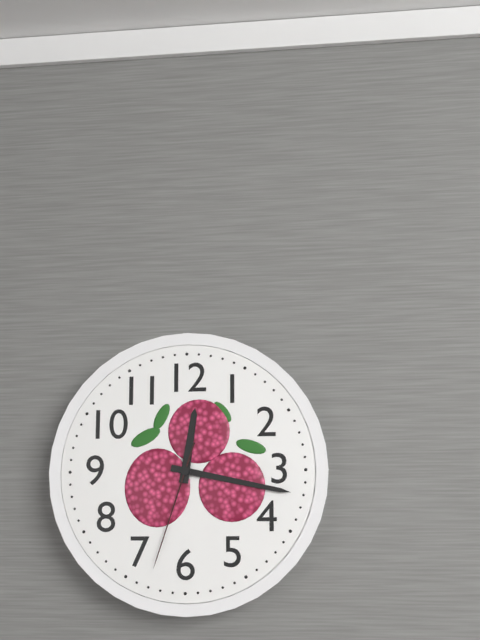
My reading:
h=12 m=17 s=33
